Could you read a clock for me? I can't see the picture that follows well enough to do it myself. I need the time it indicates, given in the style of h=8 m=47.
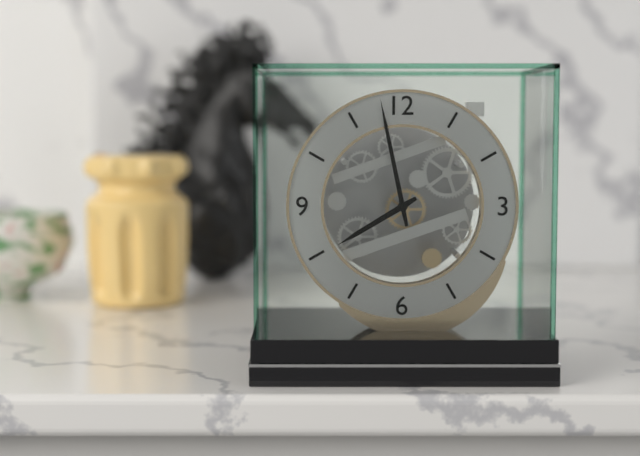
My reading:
h=7 m=58
